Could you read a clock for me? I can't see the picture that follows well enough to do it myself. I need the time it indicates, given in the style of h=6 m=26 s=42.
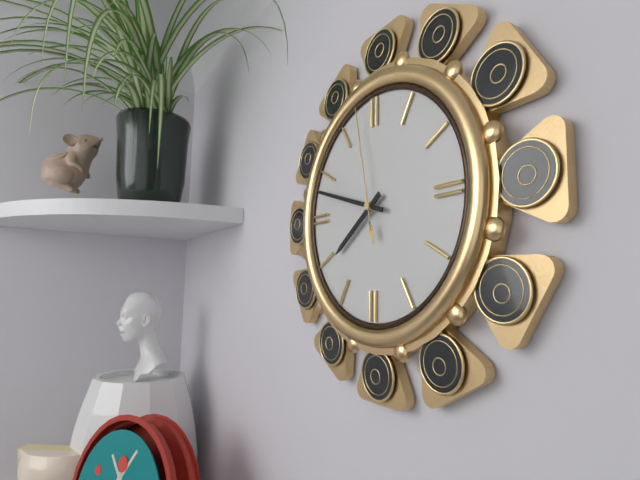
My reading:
h=7 m=48 s=58
